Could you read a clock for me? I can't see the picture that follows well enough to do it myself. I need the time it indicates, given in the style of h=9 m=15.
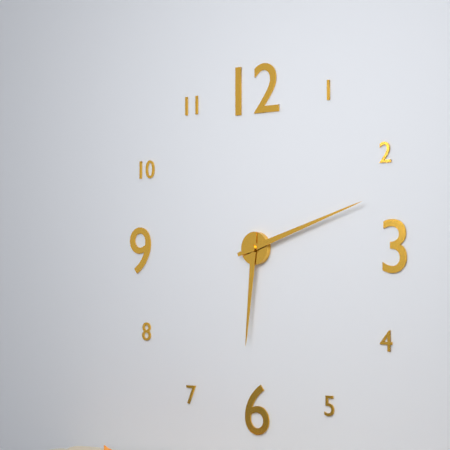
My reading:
h=6 m=12
